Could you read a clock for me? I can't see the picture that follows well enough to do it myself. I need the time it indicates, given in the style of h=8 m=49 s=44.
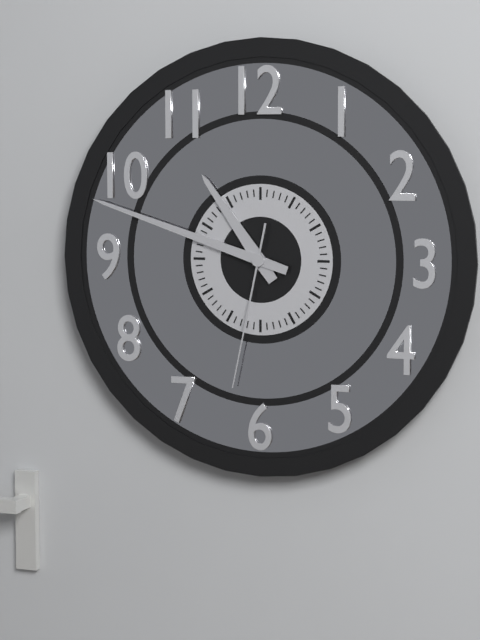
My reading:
h=10 m=48 s=32
